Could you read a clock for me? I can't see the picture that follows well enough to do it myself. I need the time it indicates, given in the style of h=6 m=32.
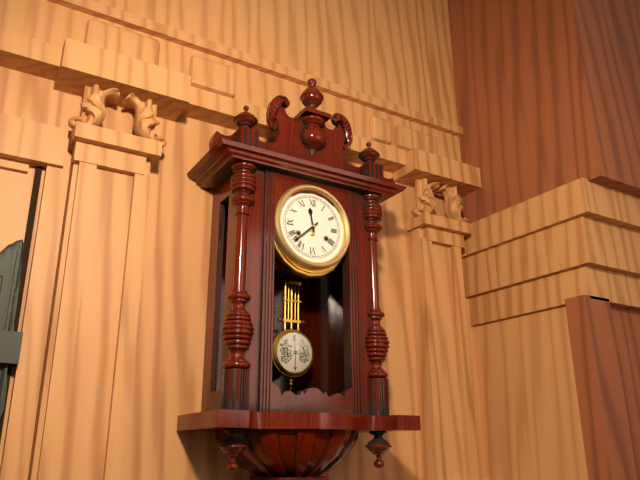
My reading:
h=11 m=38
